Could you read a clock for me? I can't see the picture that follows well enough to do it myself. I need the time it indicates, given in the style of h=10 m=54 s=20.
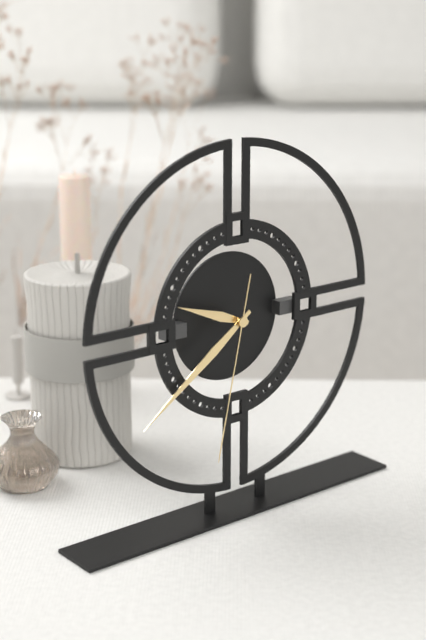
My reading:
h=9 m=39 s=32
